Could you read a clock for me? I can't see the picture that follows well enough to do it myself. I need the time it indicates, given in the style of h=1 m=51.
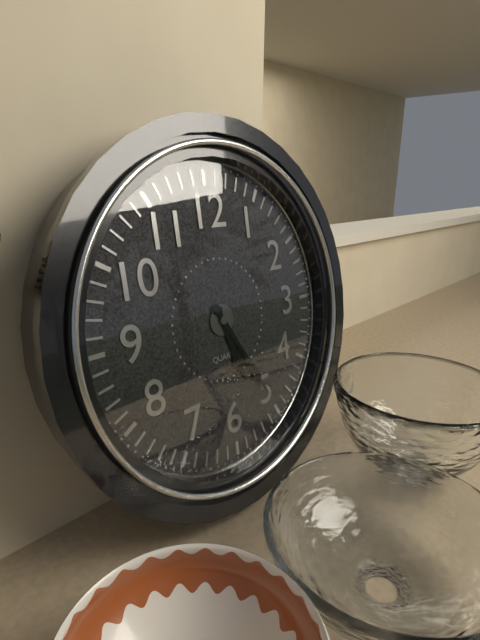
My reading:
h=5 m=25
